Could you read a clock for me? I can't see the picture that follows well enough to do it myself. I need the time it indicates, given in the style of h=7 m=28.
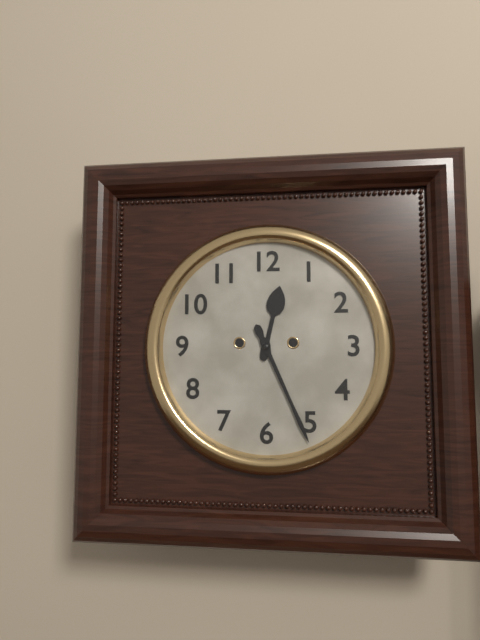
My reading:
h=12 m=26
